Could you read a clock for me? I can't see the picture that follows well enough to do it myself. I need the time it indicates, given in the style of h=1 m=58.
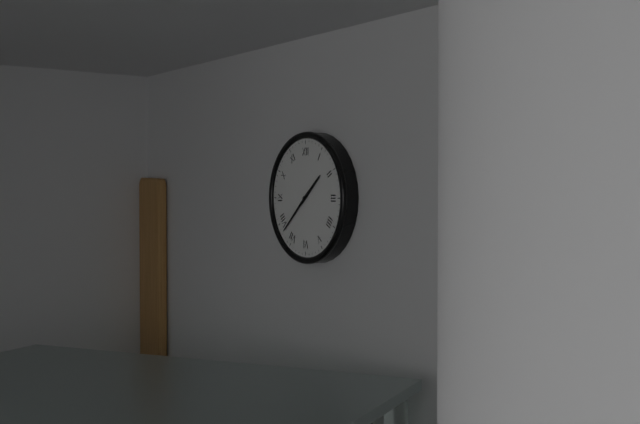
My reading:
h=1 m=38
